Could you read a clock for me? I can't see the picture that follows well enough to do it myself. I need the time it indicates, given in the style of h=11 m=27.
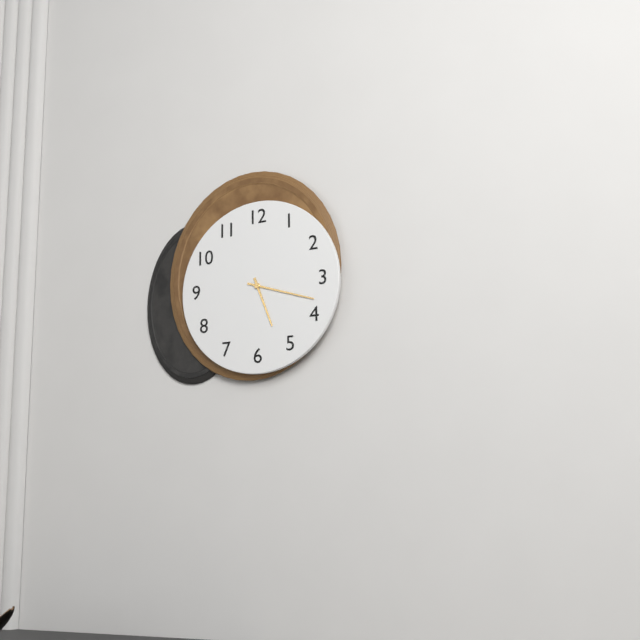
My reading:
h=5 m=18
